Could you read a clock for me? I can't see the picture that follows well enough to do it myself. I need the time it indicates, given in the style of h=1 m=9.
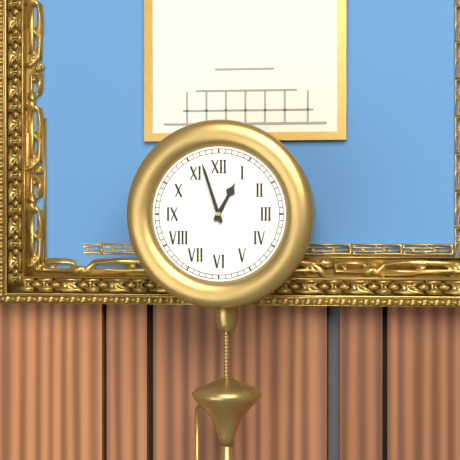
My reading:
h=12 m=57
